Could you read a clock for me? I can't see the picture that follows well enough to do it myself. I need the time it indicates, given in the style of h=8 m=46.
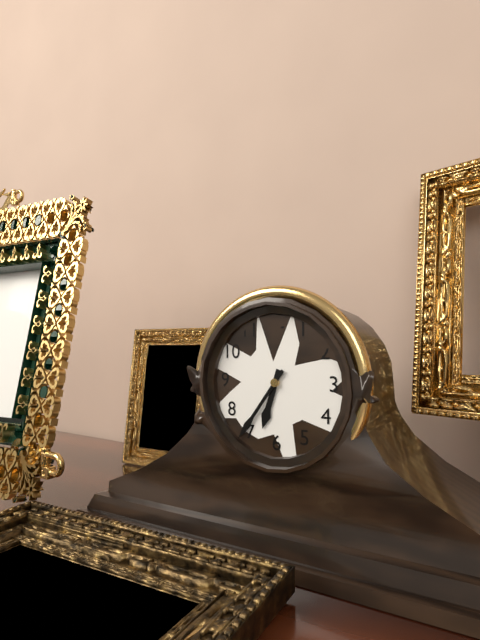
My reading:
h=6 m=36
